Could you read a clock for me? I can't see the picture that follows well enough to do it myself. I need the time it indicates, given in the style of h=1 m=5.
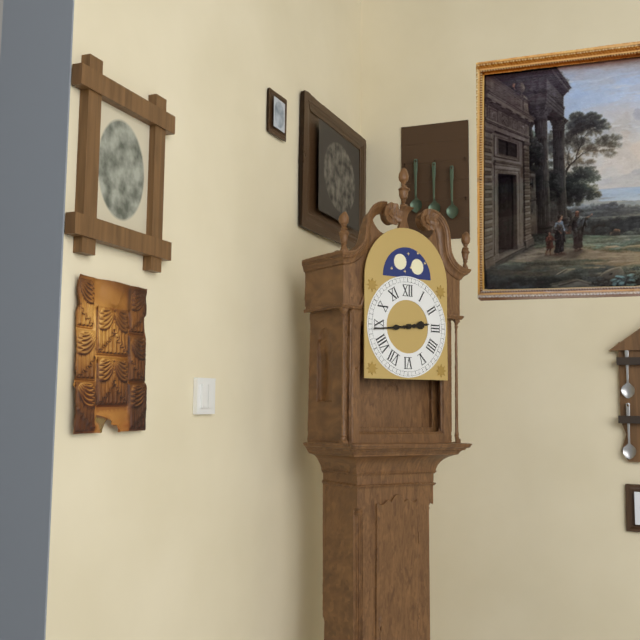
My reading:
h=2 m=44
